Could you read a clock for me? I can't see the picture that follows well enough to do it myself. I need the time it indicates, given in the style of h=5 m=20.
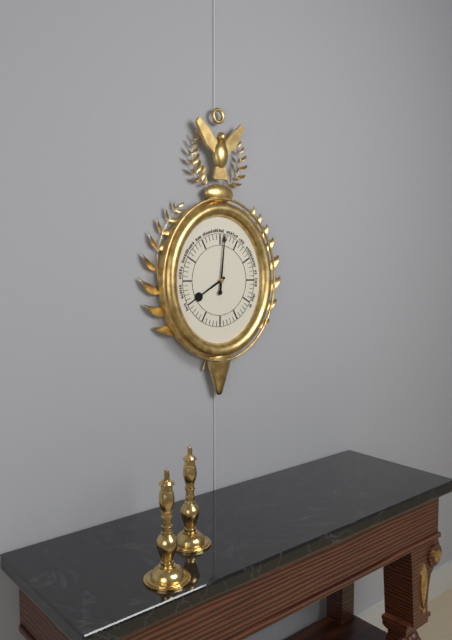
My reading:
h=8 m=1
